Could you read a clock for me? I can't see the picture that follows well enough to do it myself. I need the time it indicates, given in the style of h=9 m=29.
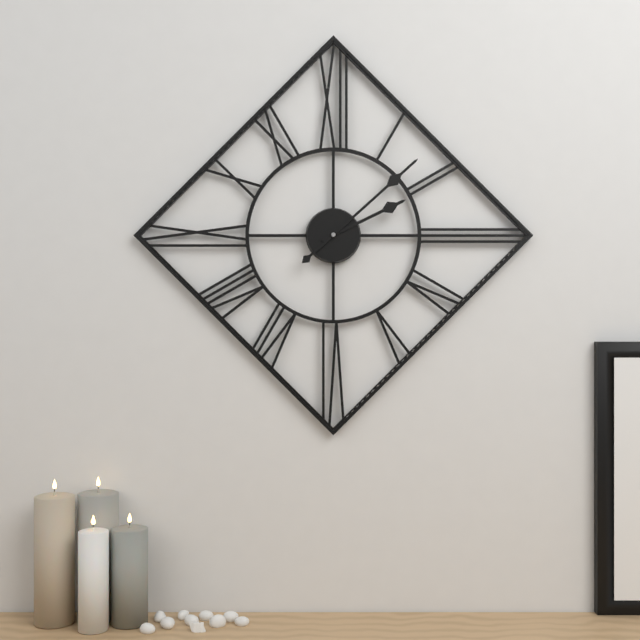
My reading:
h=2 m=8
